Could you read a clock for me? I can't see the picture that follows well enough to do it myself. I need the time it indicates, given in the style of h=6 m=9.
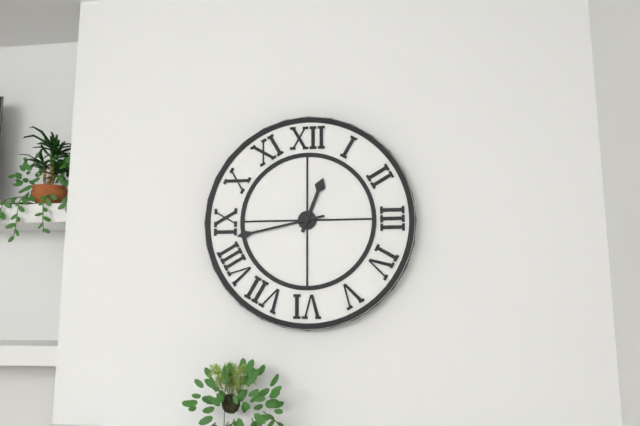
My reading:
h=12 m=43
